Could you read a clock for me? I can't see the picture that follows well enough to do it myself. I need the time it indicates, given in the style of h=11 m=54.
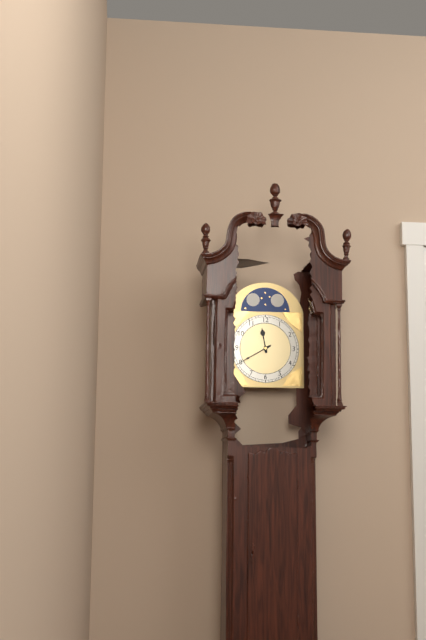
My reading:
h=11 m=40
